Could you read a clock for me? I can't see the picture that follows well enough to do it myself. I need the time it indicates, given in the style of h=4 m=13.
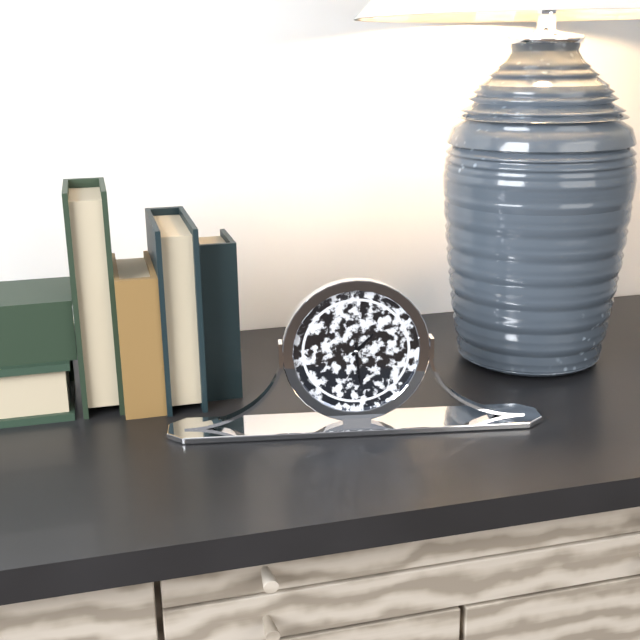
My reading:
h=1 m=29
